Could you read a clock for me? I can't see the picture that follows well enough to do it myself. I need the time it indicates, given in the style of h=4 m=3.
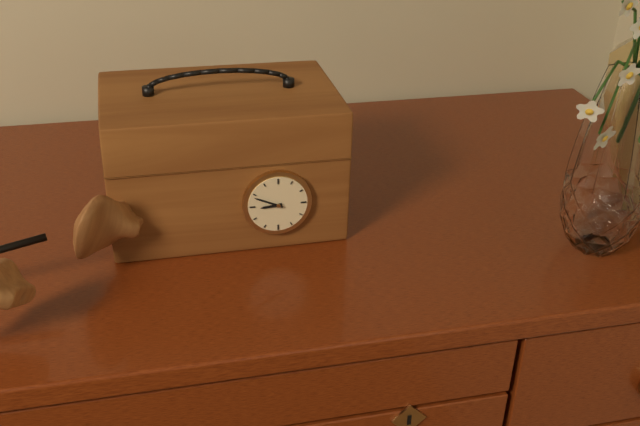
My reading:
h=8 m=49
